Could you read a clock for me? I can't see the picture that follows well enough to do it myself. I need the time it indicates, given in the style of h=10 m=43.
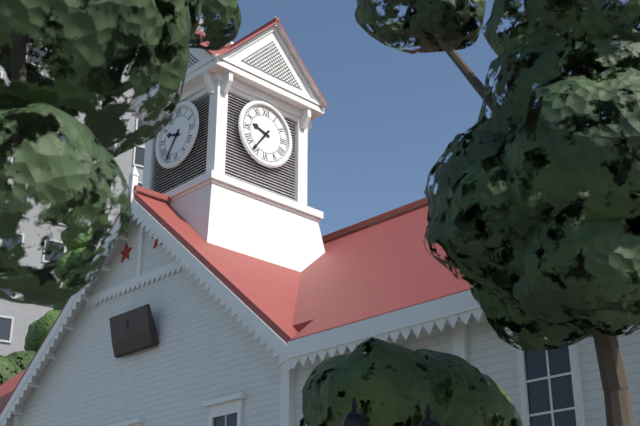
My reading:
h=9 m=36
